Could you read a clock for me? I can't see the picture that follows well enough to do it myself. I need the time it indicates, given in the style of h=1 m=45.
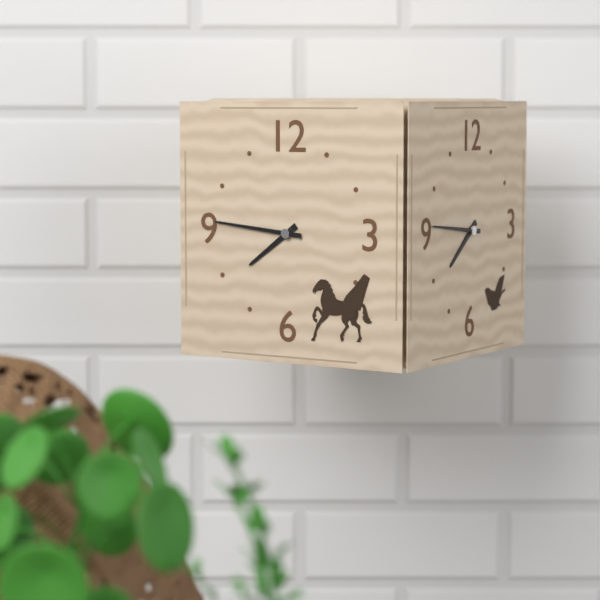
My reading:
h=7 m=46
